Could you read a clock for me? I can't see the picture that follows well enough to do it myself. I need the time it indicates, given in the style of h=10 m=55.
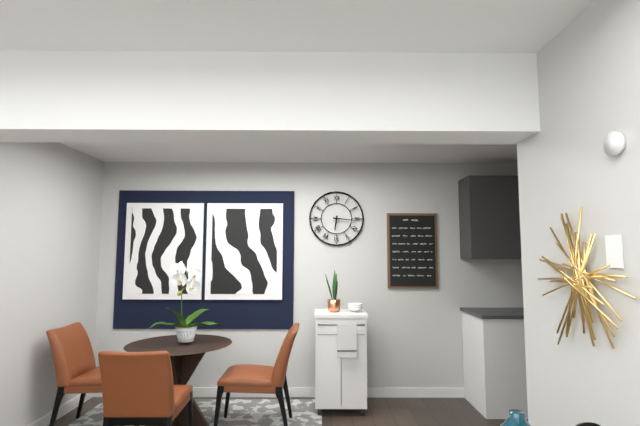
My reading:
h=6 m=16
